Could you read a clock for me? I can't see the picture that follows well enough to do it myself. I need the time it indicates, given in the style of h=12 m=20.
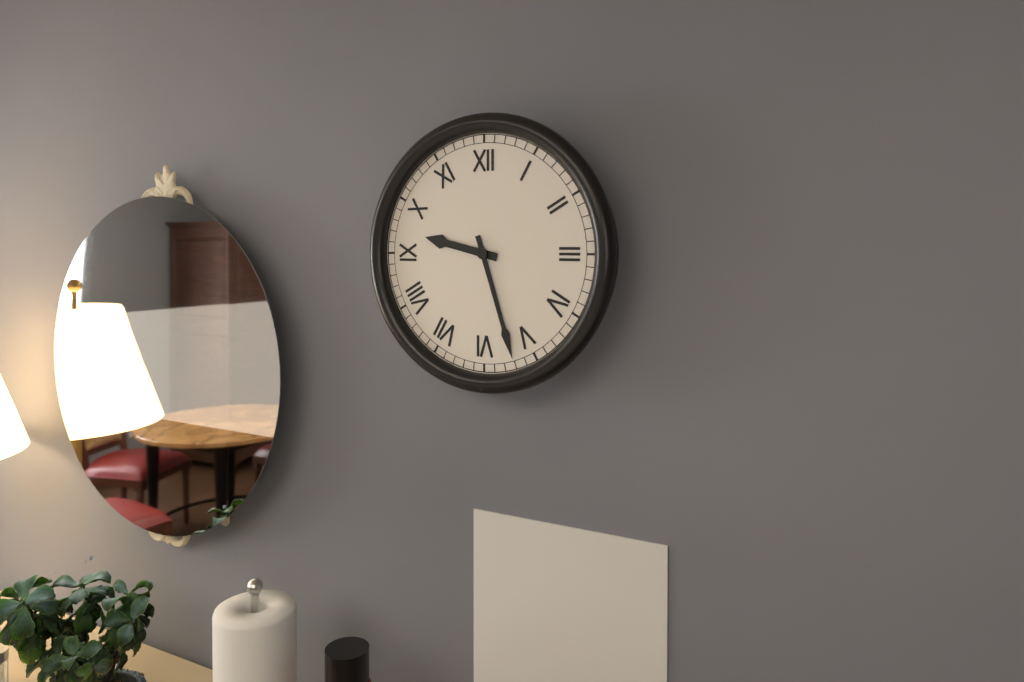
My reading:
h=9 m=27
